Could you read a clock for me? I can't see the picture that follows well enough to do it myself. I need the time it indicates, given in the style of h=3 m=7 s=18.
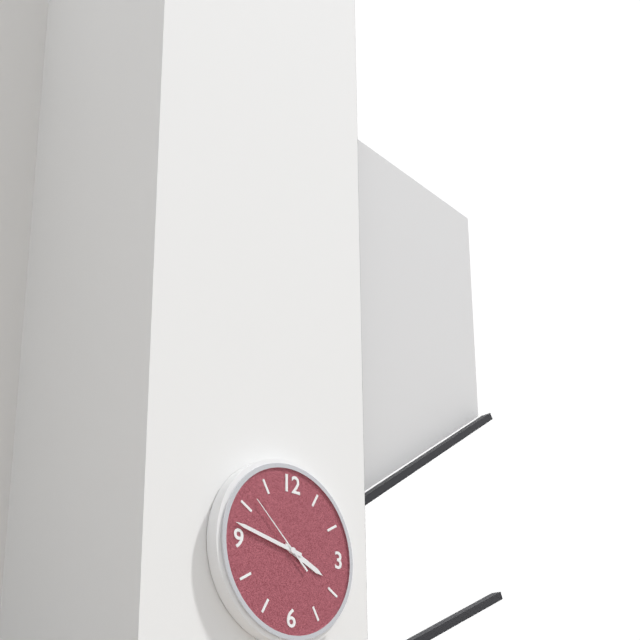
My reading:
h=3 m=47 s=52
